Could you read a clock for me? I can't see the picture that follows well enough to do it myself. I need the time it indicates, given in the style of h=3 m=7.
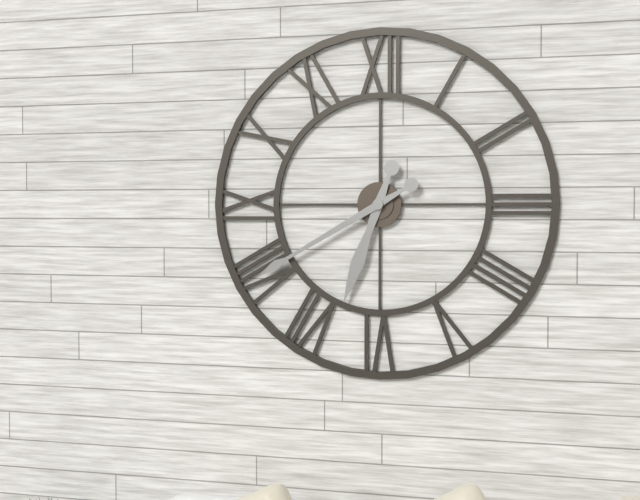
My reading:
h=6 m=40
